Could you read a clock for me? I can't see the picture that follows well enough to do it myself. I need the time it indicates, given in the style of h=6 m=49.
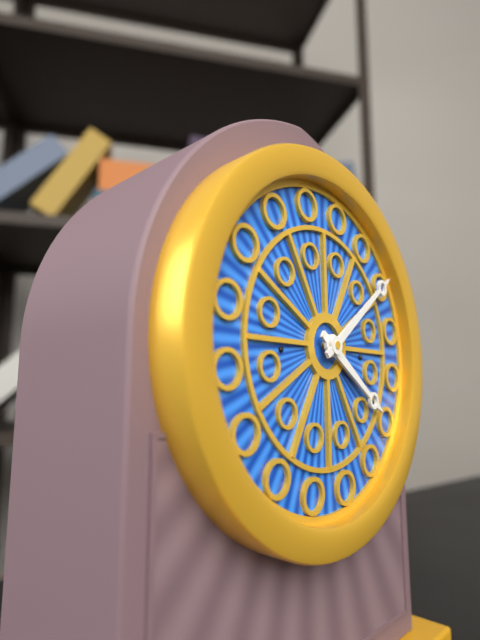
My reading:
h=4 m=9
